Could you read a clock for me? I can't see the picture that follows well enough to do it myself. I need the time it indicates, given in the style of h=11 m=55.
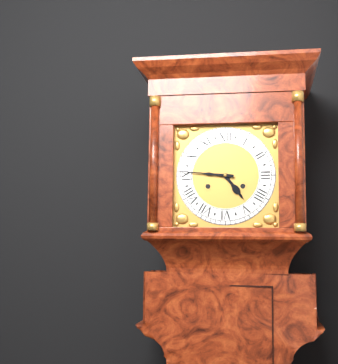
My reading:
h=4 m=46
